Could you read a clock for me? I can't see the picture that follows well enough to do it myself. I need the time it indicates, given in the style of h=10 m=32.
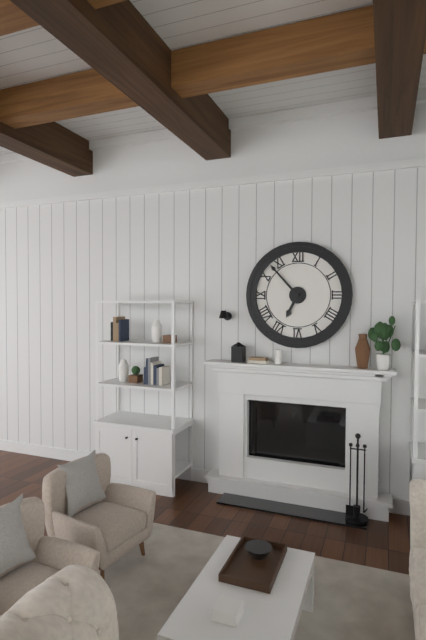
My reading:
h=6 m=53
